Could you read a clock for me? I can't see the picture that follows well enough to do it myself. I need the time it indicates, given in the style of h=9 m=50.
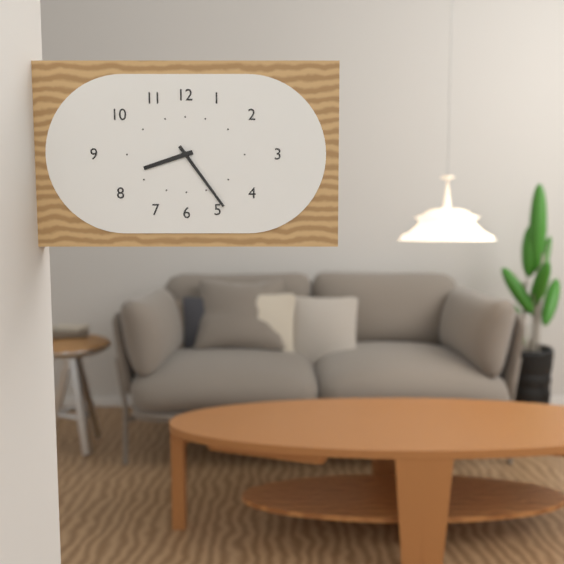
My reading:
h=8 m=24
